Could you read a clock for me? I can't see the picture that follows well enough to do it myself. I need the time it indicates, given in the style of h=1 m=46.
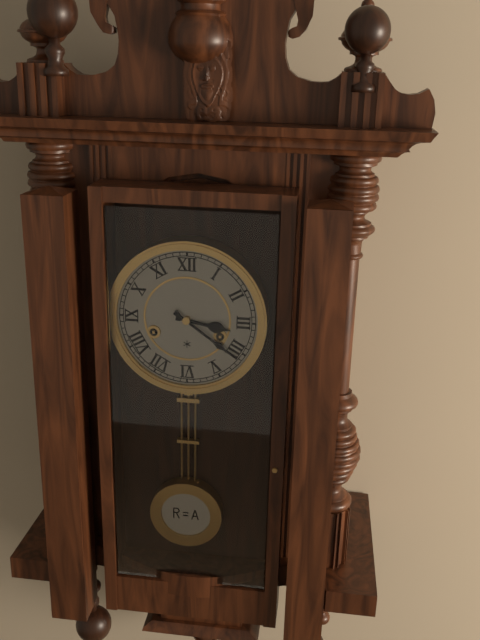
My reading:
h=3 m=21
